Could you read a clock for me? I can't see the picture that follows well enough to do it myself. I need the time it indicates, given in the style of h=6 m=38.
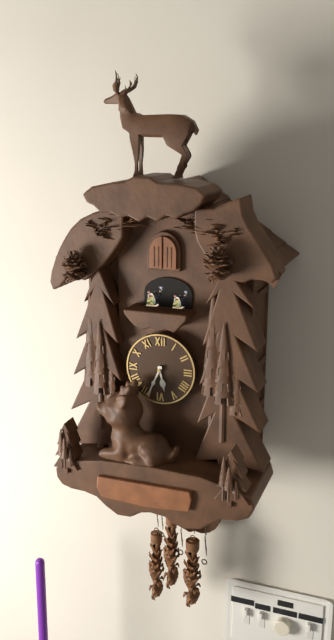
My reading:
h=5 m=34
